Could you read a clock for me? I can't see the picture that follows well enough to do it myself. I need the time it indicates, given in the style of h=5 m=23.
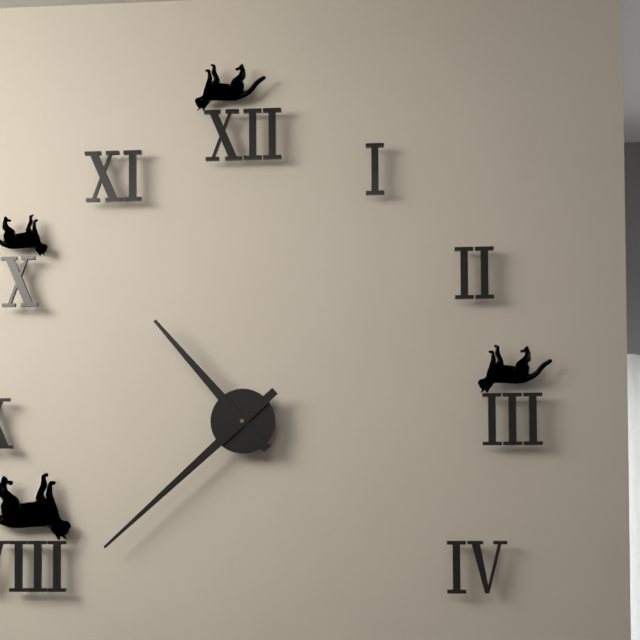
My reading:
h=10 m=38
